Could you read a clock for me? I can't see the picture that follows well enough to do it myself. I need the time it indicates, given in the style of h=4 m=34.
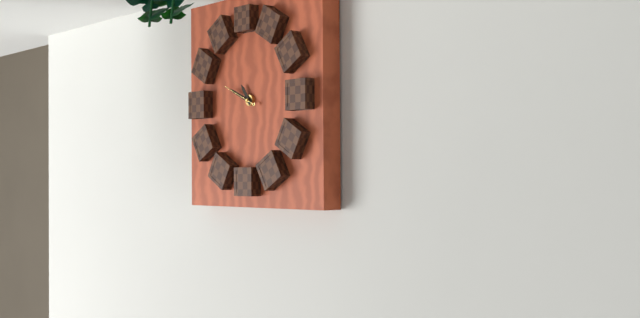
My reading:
h=10 m=49
